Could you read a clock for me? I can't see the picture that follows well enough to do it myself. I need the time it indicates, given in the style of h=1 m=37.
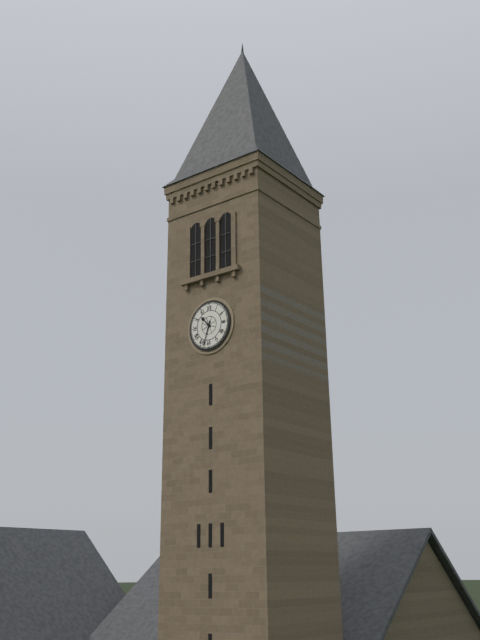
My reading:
h=10 m=33
